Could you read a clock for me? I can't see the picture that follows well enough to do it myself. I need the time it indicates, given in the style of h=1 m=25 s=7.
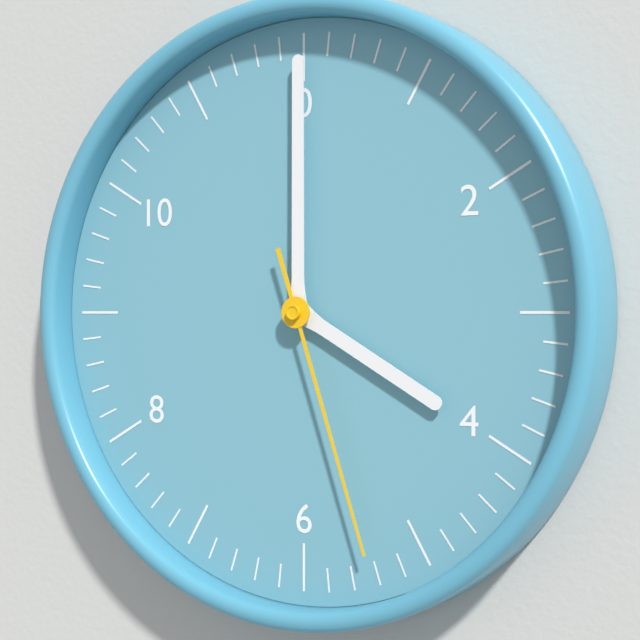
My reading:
h=4 m=0 s=27
